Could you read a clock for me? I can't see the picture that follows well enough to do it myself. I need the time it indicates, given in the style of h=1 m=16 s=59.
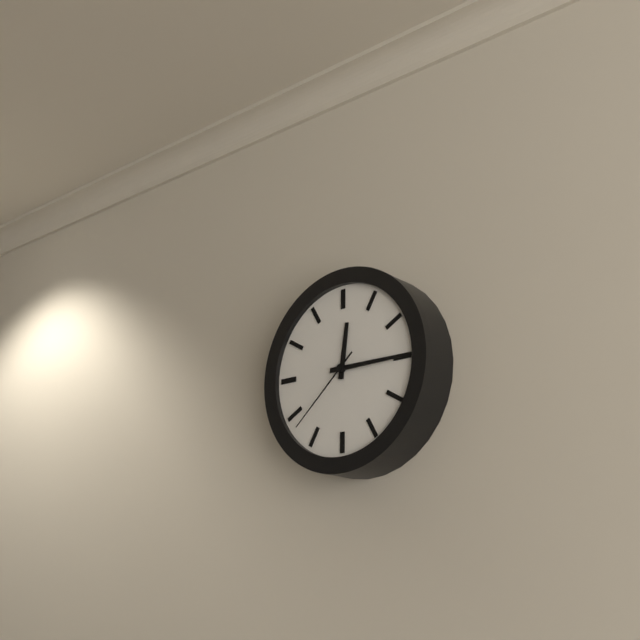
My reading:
h=12 m=15 s=38
